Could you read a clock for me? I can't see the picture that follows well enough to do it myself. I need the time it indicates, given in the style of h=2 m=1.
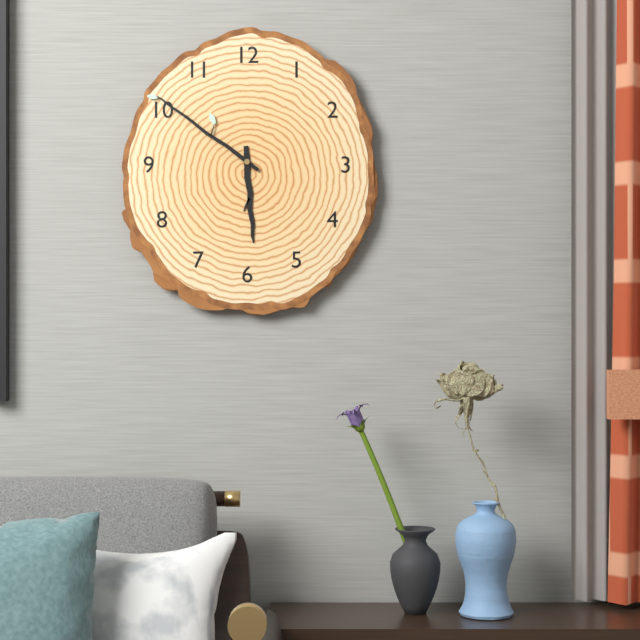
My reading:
h=5 m=51
